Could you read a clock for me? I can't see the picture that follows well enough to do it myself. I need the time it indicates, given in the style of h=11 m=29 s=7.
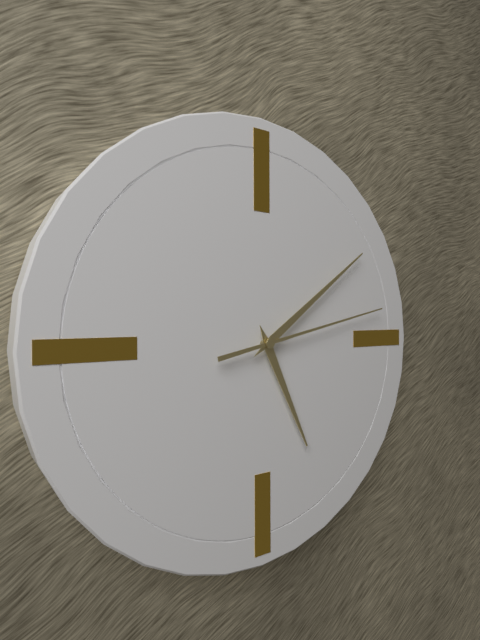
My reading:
h=5 m=9 s=13
